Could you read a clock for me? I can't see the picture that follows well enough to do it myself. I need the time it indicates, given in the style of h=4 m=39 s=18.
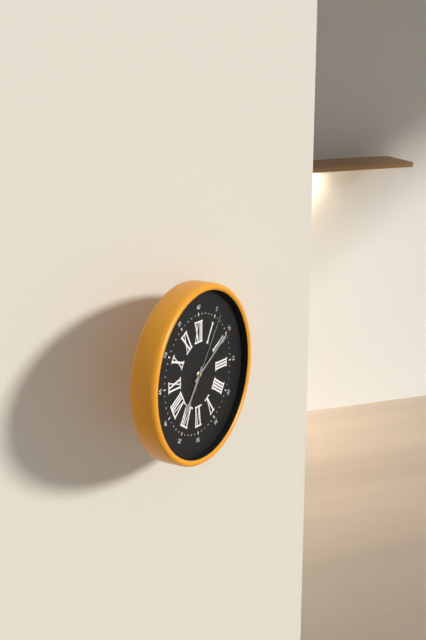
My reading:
h=7 m=10 s=6
